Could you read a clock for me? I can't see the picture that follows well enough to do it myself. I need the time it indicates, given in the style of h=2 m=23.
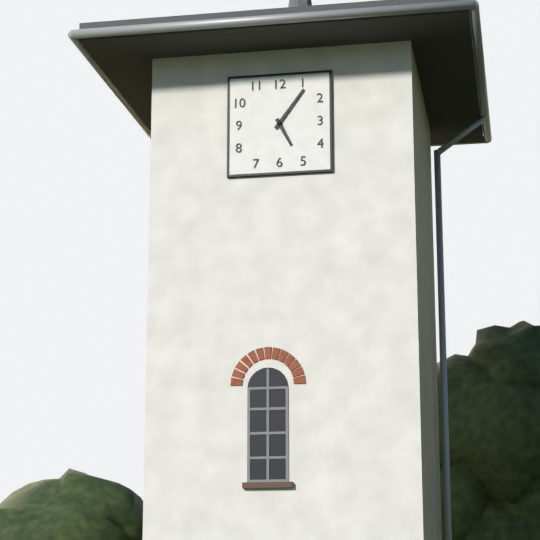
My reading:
h=5 m=6
